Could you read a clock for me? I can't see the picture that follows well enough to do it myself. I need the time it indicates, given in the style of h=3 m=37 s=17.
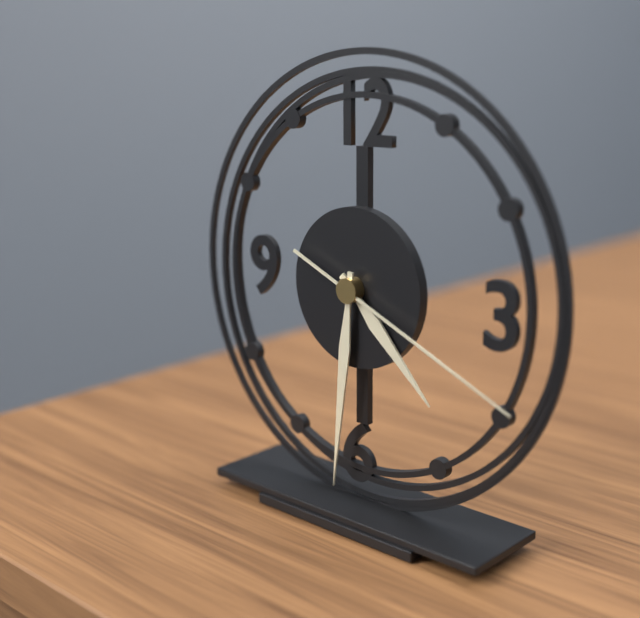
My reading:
h=4 m=31 s=19
